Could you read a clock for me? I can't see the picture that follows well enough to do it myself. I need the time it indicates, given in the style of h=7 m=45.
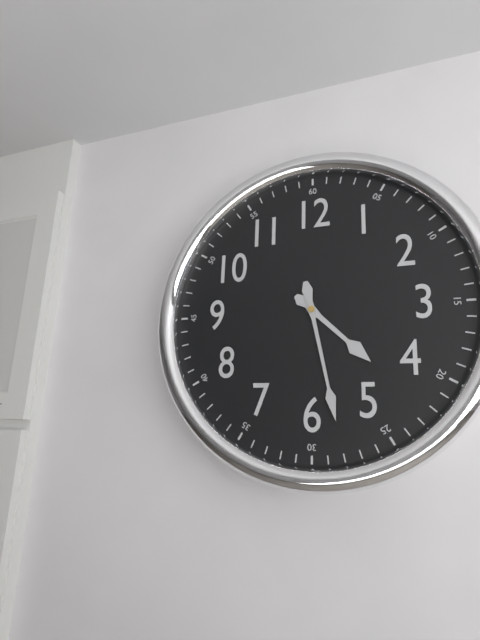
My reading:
h=4 m=28
